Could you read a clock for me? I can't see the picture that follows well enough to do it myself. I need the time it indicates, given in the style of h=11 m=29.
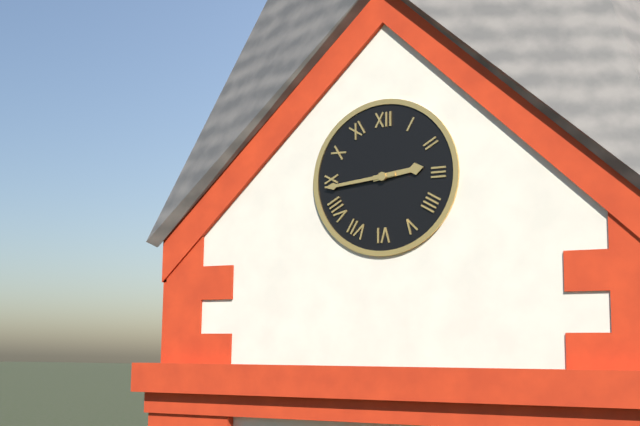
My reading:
h=2 m=44
